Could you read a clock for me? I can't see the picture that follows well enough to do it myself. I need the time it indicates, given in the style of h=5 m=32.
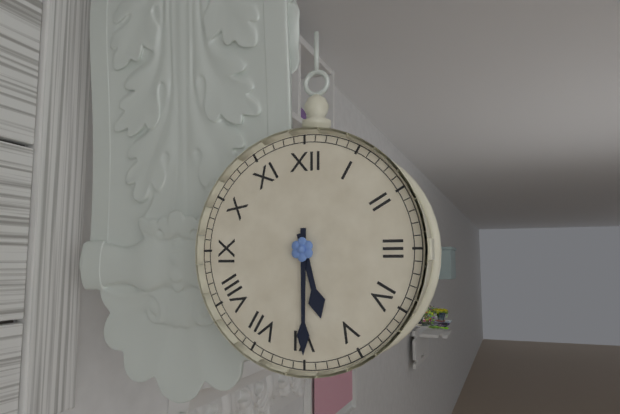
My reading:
h=5 m=30
